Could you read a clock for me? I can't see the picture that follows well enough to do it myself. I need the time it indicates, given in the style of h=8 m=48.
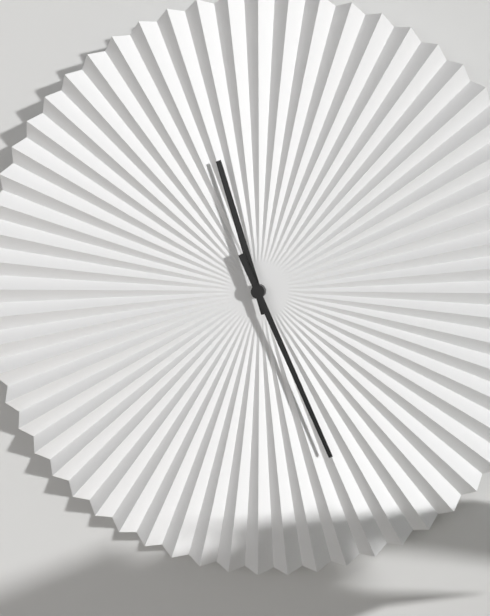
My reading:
h=11 m=26
